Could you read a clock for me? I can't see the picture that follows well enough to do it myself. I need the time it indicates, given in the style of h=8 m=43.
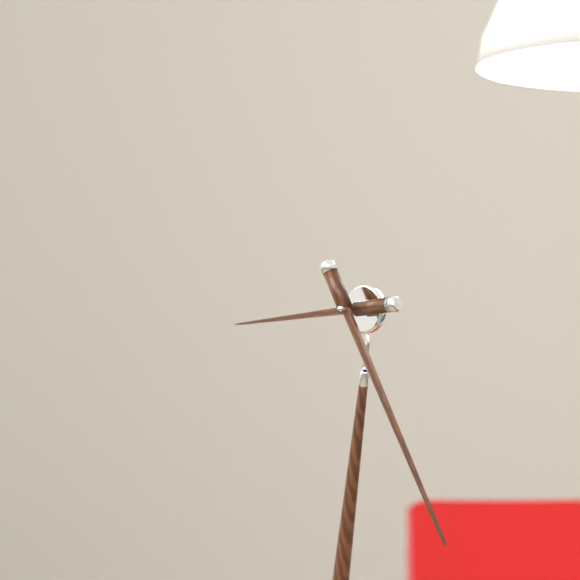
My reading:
h=8 m=23
